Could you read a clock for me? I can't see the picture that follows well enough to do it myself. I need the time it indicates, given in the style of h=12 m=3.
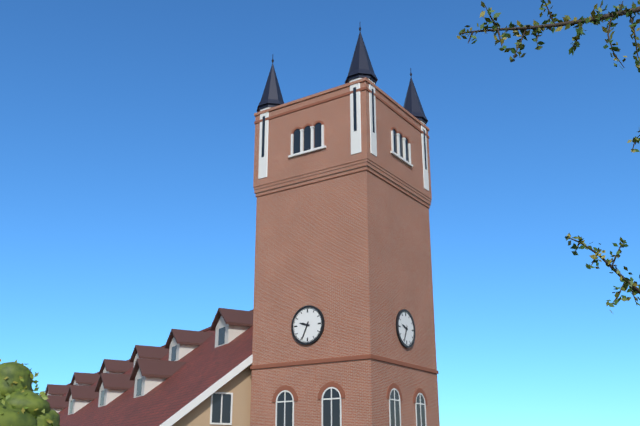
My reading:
h=9 m=34
